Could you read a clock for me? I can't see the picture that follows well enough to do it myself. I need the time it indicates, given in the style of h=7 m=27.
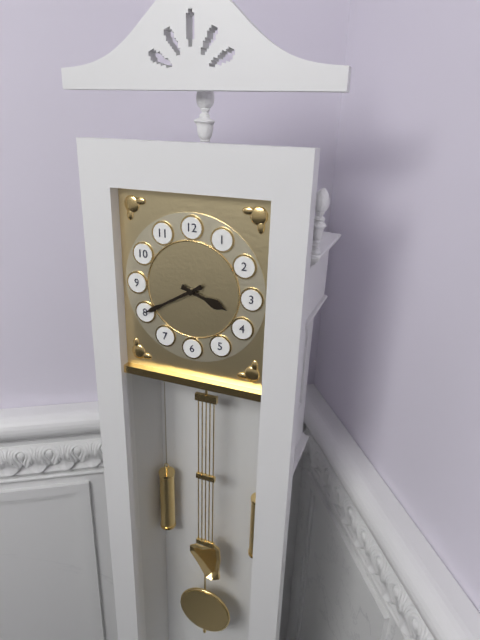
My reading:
h=3 m=40
